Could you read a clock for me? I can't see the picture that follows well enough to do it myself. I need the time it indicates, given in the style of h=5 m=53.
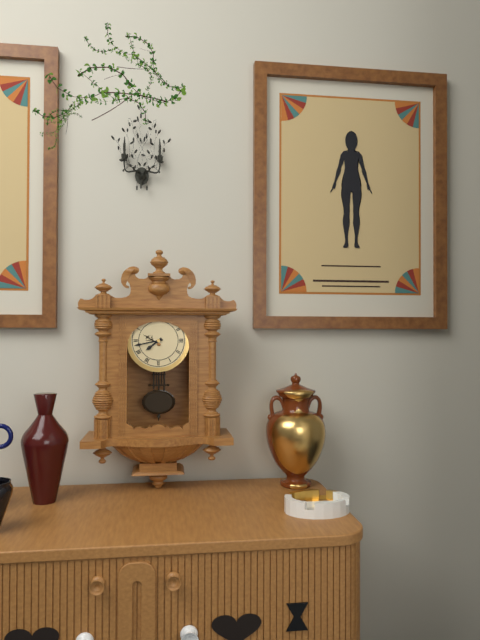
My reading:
h=7 m=43
